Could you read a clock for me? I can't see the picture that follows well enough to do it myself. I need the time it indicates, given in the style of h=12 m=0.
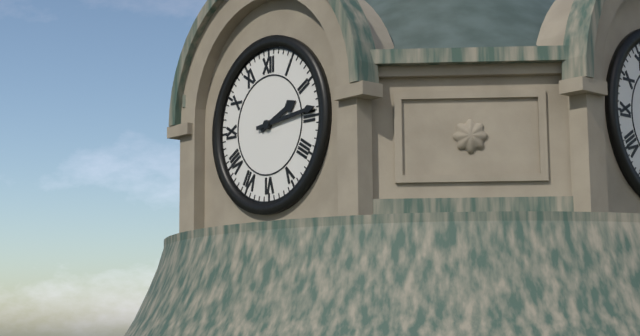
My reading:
h=2 m=14
